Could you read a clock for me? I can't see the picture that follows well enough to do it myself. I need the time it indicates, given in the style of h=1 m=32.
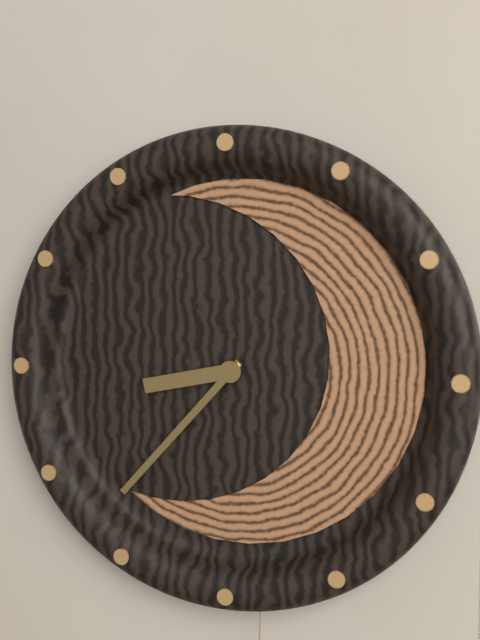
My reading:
h=8 m=37
